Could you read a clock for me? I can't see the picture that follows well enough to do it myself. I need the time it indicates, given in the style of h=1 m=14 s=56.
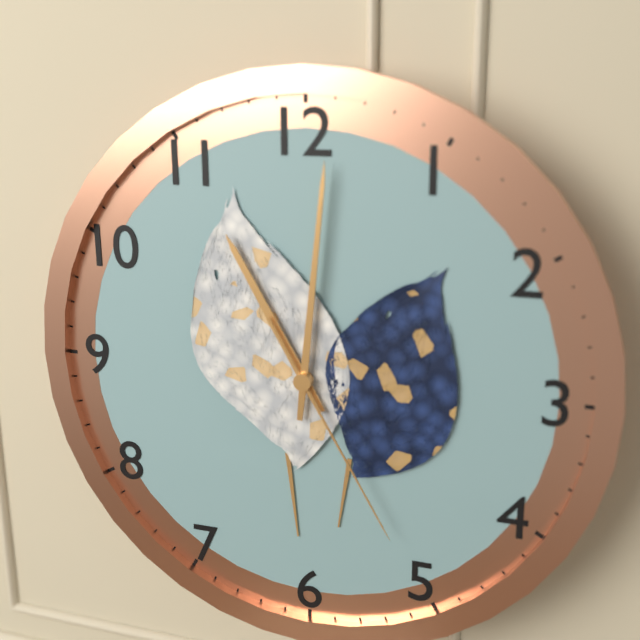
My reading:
h=11 m=1 s=25
